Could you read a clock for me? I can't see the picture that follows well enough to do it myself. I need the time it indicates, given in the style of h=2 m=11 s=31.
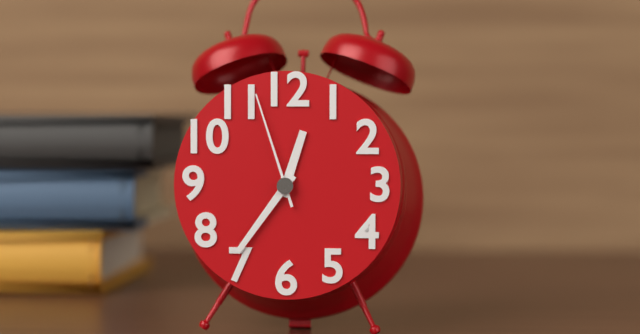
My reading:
h=12 m=36 s=57
